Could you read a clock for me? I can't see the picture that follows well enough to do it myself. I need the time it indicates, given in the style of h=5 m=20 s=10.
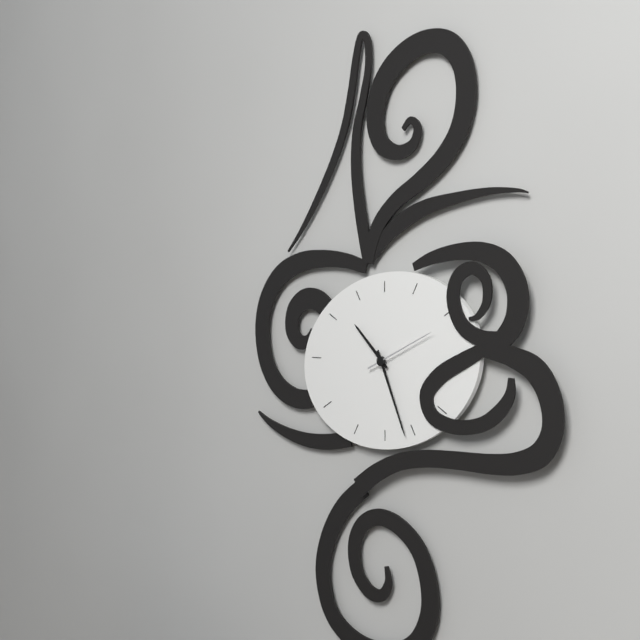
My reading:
h=10 m=26 s=11
